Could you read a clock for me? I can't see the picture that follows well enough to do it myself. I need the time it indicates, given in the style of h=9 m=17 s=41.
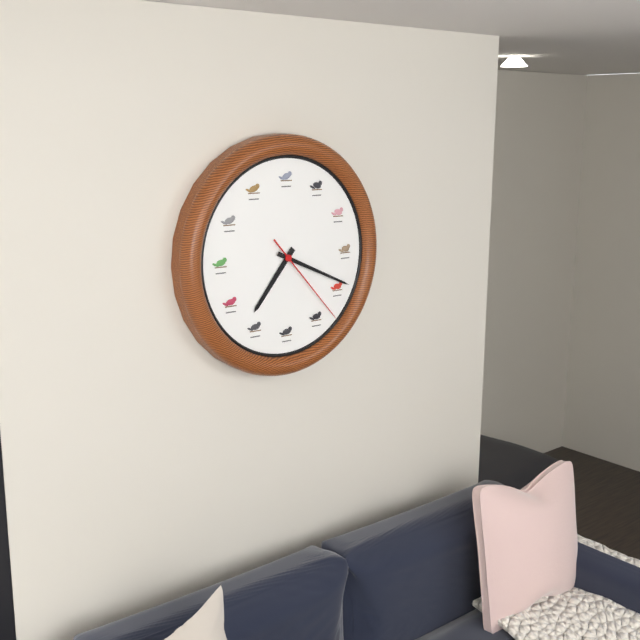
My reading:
h=7 m=19 s=23
